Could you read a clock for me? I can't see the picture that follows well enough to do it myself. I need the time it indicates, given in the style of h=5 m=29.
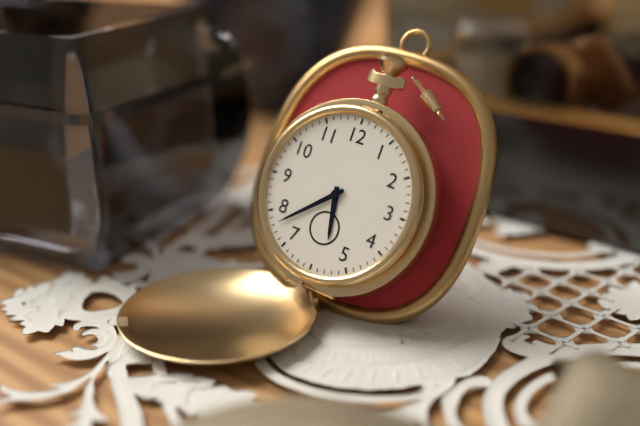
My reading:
h=5 m=38
